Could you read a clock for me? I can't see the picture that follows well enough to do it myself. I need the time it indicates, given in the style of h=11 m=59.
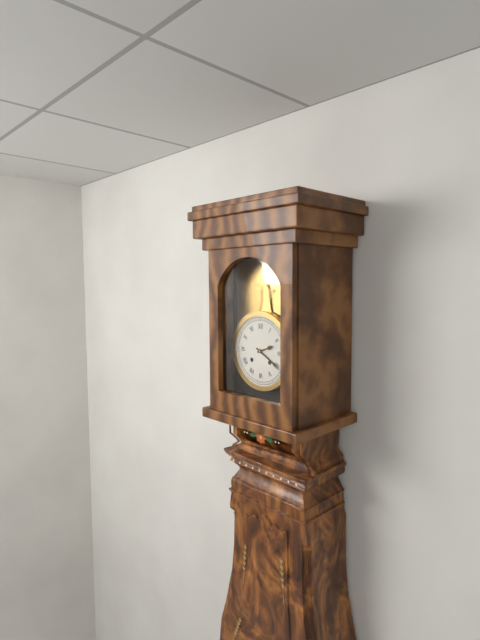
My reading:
h=2 m=20
